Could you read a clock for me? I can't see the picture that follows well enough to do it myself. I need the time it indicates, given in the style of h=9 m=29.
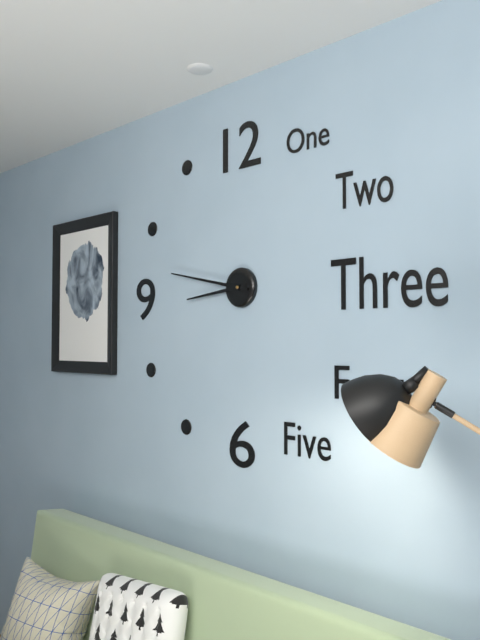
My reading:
h=8 m=47
